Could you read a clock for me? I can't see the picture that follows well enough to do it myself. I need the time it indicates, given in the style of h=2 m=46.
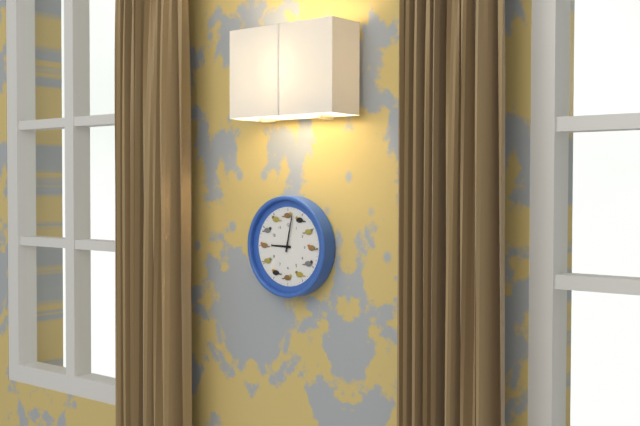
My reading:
h=9 m=2
